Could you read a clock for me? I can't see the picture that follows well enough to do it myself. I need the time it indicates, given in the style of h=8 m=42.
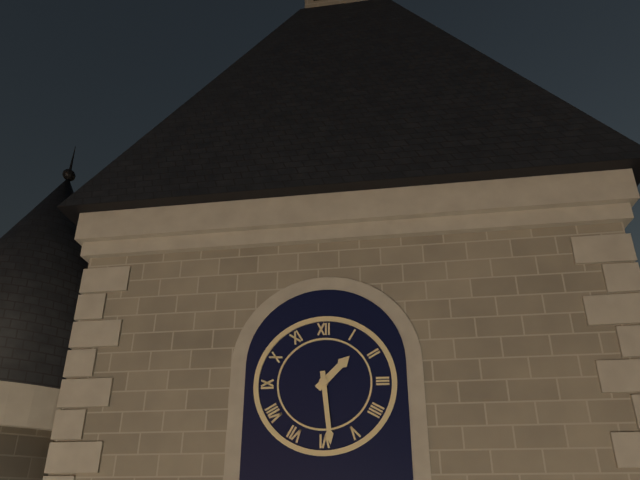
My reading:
h=1 m=29
